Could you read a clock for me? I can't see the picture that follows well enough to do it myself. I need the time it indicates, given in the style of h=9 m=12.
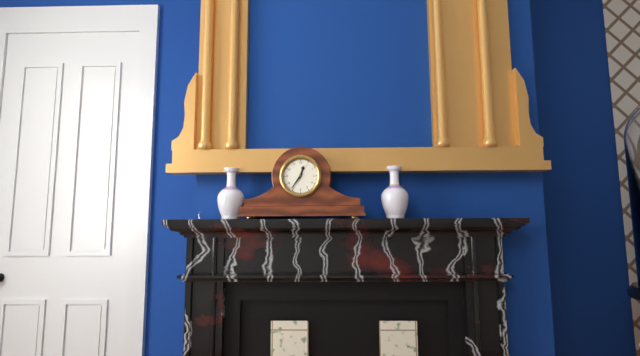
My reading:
h=12 m=36
